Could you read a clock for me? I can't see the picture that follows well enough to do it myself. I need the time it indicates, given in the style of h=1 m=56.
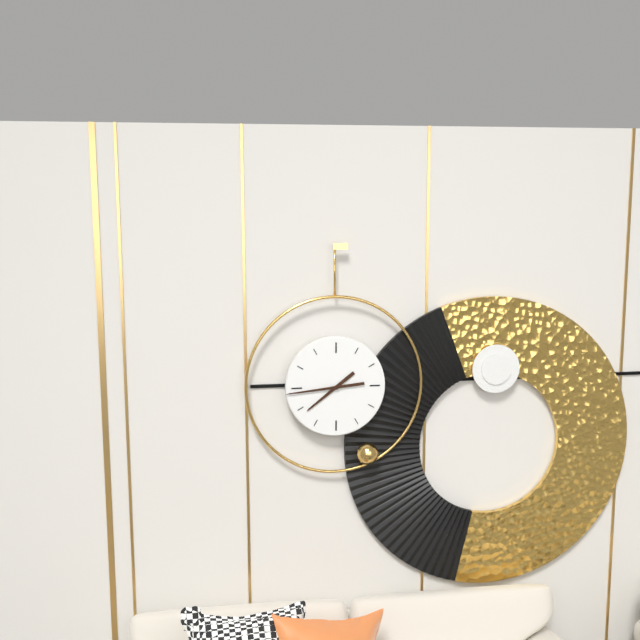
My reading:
h=7 m=44
